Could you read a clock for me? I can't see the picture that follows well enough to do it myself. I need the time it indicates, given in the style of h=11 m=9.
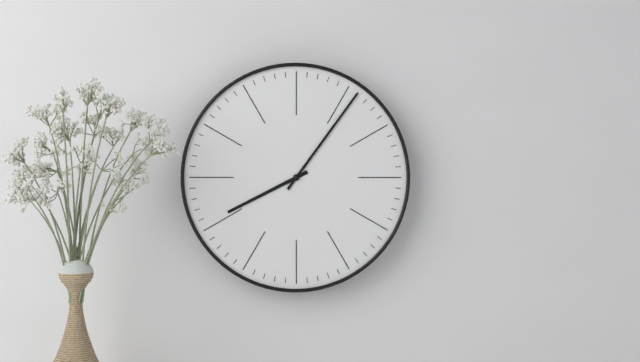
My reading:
h=8 m=6
